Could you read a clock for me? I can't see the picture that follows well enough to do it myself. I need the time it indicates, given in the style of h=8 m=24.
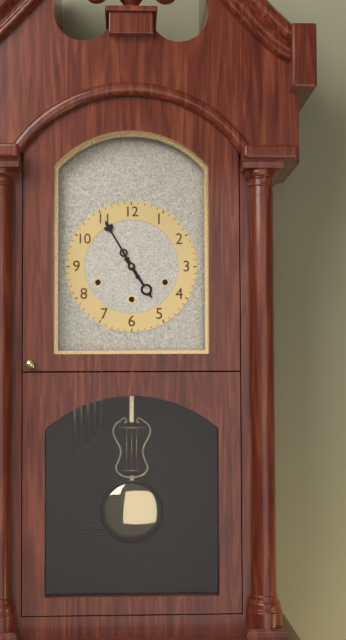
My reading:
h=4 m=55
